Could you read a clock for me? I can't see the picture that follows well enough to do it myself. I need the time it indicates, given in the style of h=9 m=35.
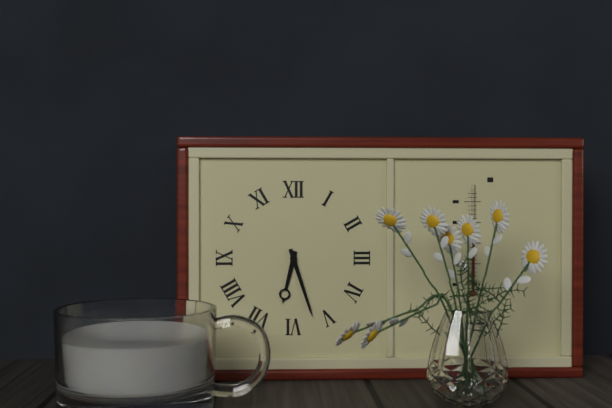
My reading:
h=6 m=27
